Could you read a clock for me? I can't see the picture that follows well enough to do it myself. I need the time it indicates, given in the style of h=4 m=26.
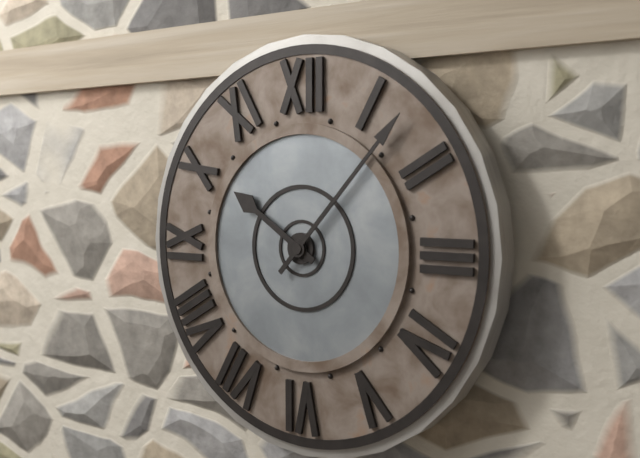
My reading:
h=10 m=7
